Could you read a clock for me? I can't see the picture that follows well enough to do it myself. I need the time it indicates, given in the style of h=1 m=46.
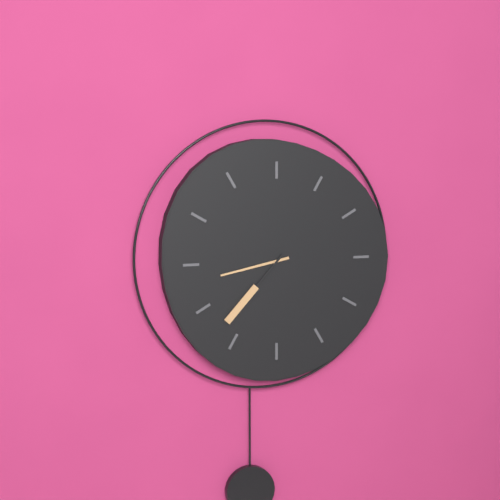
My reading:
h=8 m=37
